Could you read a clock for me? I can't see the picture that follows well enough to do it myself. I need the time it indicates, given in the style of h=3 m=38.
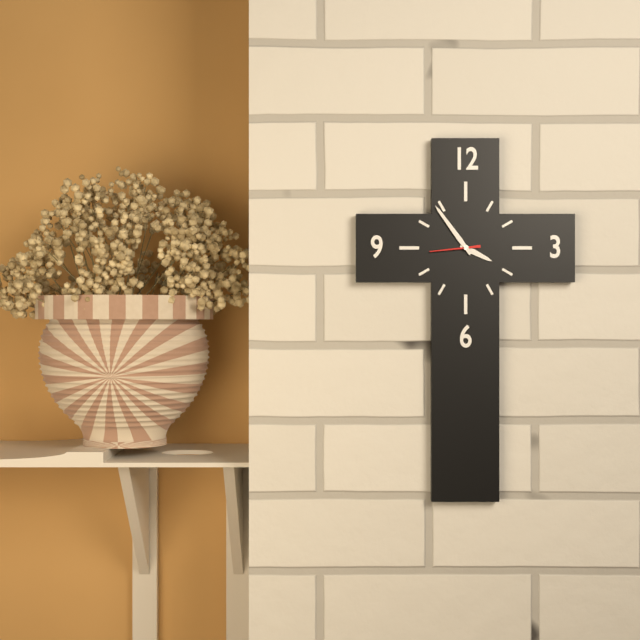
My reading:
h=3 m=54
